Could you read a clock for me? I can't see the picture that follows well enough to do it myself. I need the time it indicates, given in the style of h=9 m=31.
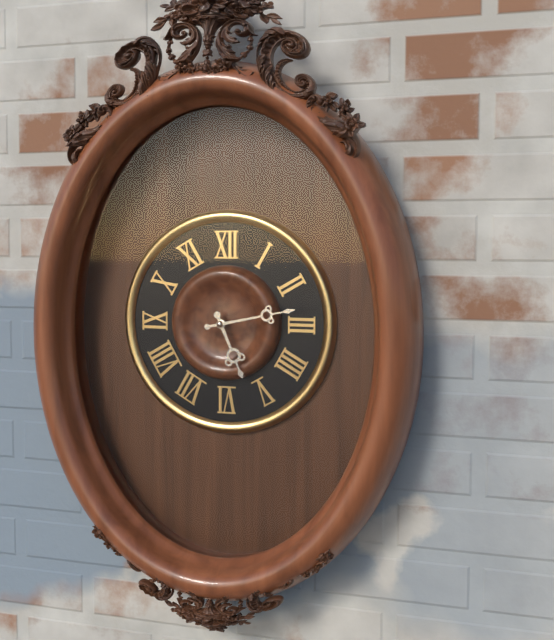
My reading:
h=5 m=13
